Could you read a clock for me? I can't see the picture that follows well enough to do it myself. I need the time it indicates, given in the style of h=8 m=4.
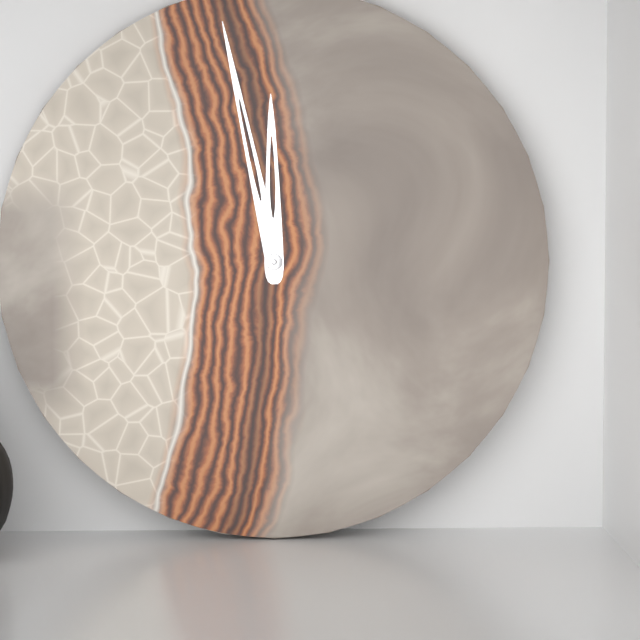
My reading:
h=11 m=58
